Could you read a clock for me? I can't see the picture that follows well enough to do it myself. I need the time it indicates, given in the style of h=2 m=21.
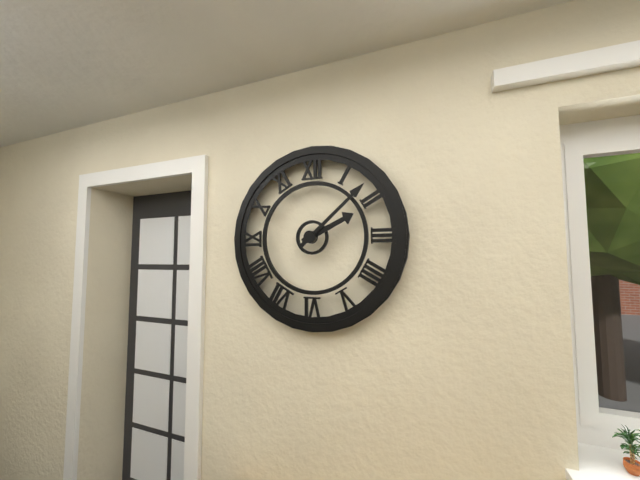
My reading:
h=2 m=8
